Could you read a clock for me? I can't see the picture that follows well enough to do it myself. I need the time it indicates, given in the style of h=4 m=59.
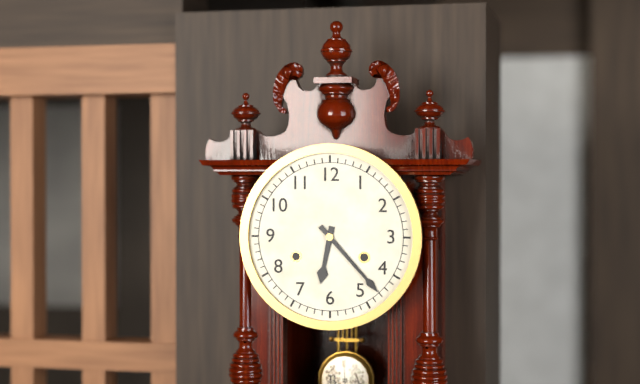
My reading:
h=6 m=23
